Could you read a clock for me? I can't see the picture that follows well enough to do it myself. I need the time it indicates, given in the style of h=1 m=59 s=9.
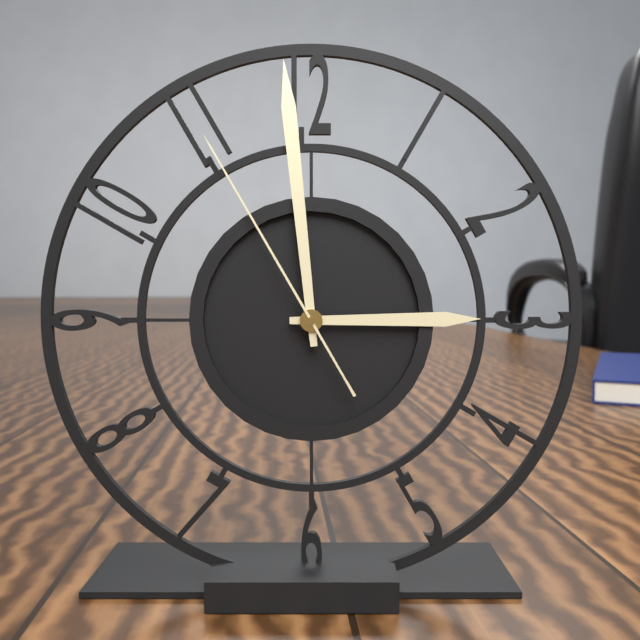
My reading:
h=2 m=59 s=55
